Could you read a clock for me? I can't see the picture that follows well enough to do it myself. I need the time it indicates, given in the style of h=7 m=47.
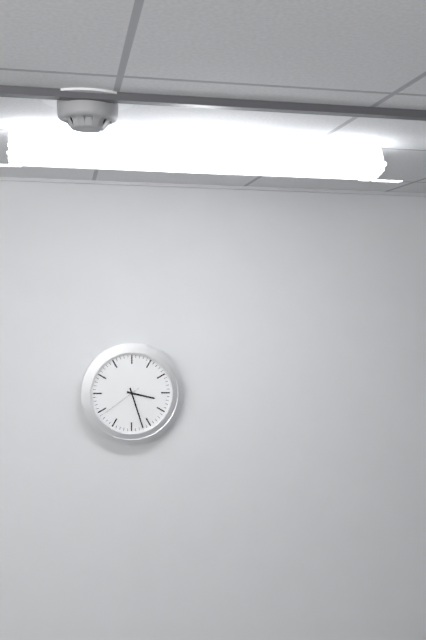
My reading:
h=3 m=27
